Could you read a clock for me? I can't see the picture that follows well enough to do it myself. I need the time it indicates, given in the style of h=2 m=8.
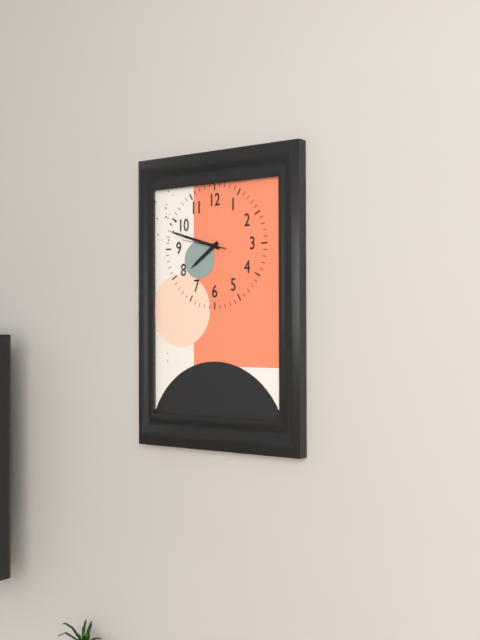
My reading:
h=7 m=48
